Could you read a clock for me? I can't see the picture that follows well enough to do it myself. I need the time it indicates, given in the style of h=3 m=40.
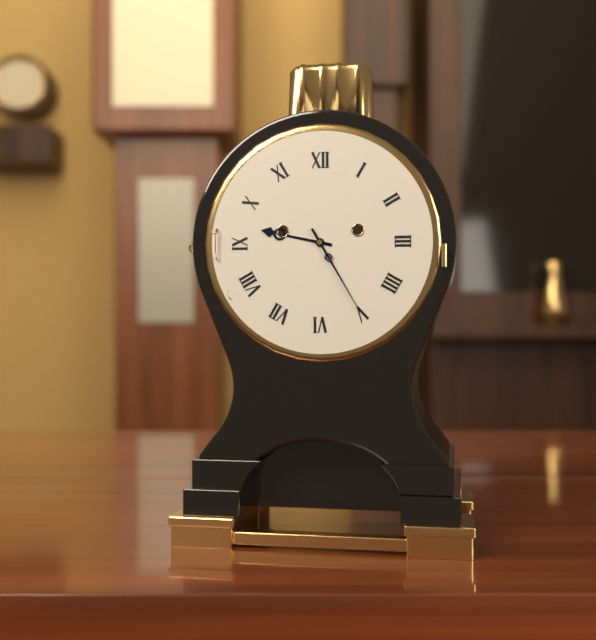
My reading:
h=9 m=25
